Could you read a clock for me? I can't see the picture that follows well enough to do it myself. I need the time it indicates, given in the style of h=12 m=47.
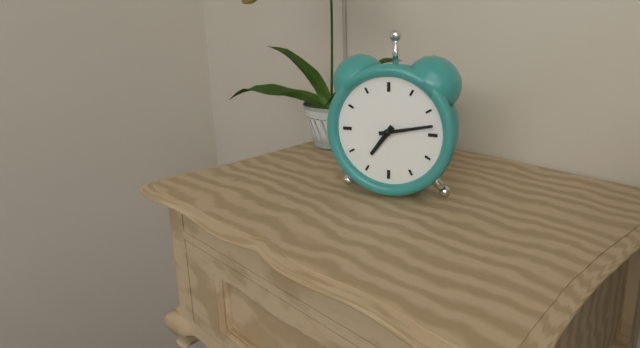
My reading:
h=7 m=13
